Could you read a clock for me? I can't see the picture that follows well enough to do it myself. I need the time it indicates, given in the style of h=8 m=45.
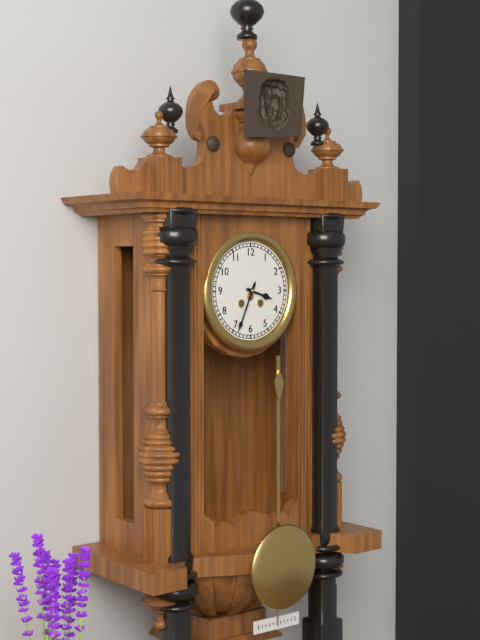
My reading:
h=3 m=34
